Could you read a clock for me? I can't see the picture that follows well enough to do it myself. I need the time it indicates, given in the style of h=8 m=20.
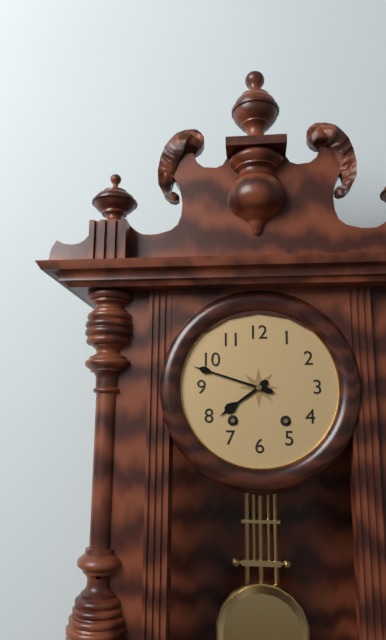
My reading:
h=7 m=48
